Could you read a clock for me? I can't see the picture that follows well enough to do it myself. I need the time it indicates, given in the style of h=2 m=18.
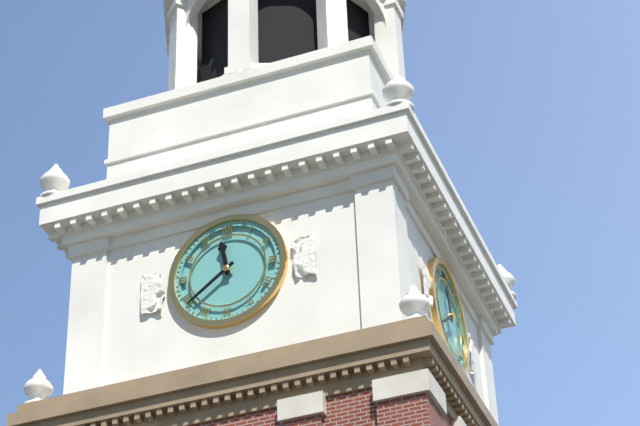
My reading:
h=11 m=39
